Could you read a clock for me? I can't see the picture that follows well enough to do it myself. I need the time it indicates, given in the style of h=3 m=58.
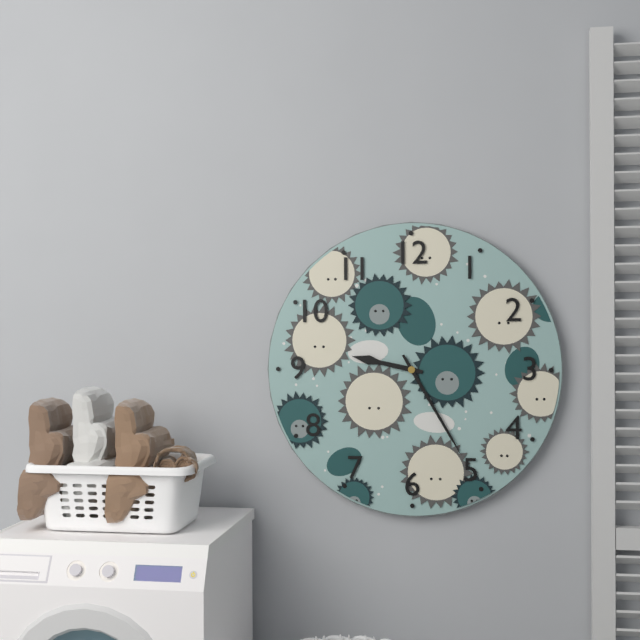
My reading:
h=9 m=25
